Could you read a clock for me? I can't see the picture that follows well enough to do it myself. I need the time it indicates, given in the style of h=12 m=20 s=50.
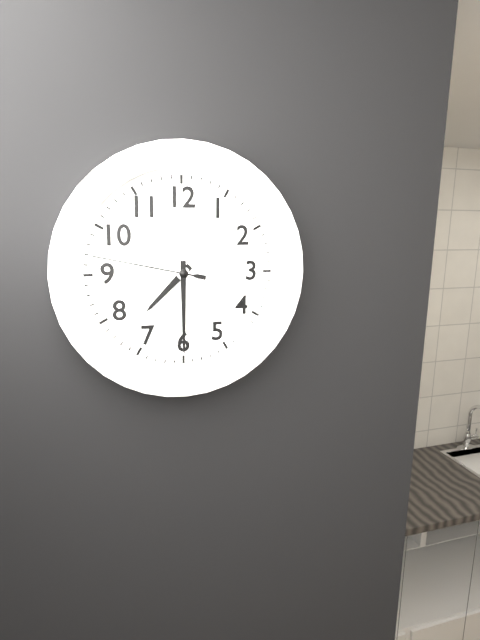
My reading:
h=7 m=30 s=47
